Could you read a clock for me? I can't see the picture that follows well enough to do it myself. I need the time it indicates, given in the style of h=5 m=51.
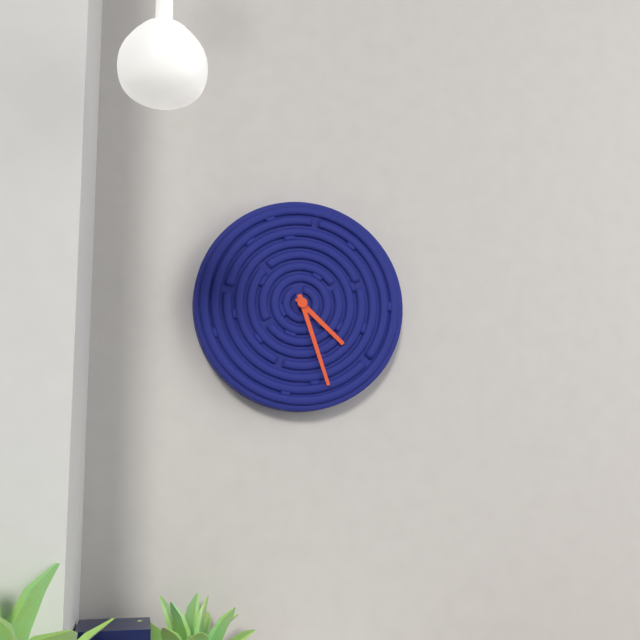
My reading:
h=4 m=27
